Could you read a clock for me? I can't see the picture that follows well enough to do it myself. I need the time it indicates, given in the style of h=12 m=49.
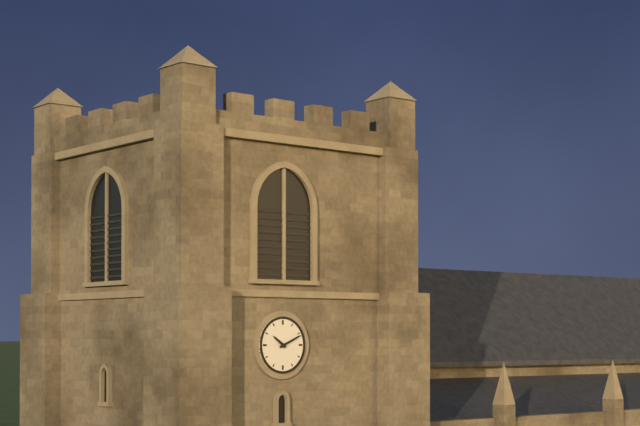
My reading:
h=10 m=11
